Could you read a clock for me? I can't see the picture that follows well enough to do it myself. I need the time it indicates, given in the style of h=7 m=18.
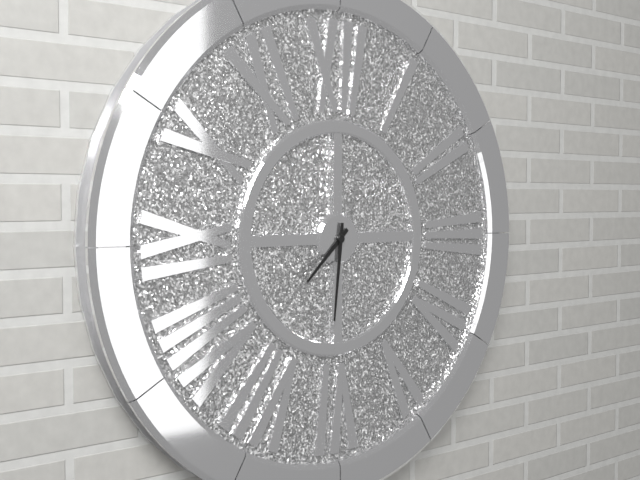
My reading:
h=7 m=31
